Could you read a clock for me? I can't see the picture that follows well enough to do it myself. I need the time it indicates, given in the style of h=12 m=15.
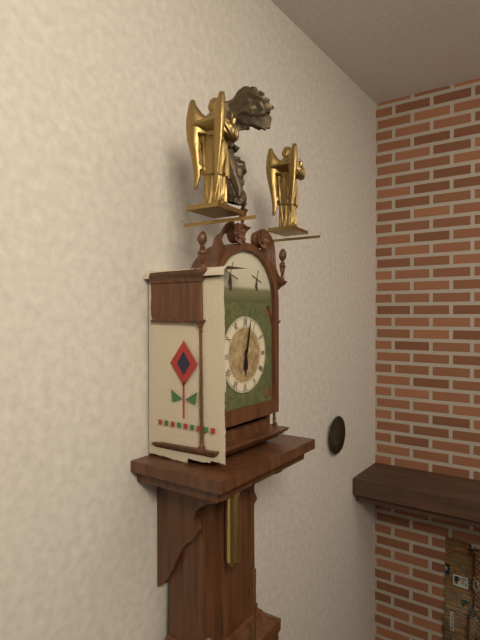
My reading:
h=6 m=2
